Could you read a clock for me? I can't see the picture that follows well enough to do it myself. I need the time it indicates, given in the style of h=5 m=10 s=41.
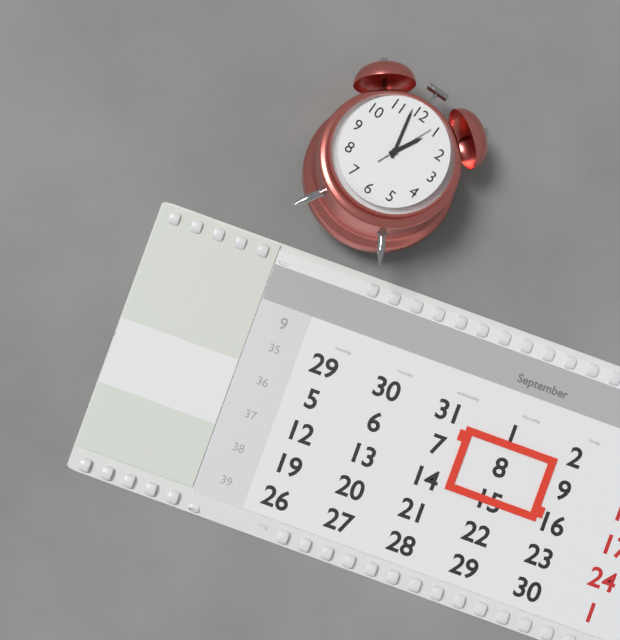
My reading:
h=12 m=58 s=4
